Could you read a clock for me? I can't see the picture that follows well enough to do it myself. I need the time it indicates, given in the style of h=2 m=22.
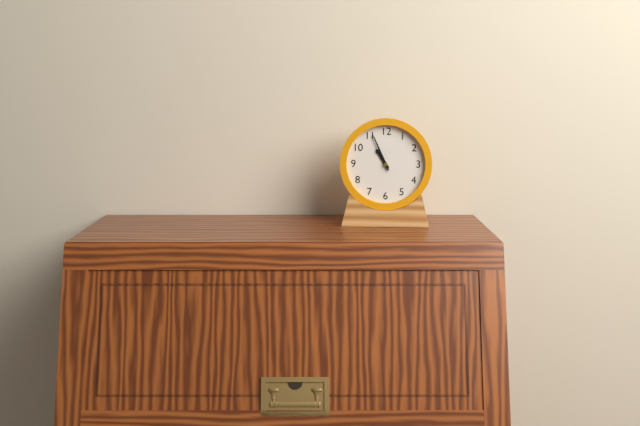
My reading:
h=10 m=56
